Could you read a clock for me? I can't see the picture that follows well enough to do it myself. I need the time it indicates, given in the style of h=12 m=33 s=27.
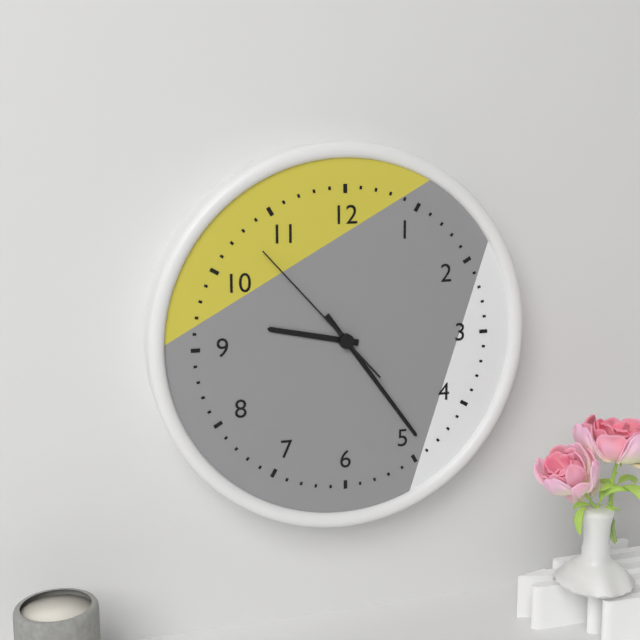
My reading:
h=9 m=24 s=53
